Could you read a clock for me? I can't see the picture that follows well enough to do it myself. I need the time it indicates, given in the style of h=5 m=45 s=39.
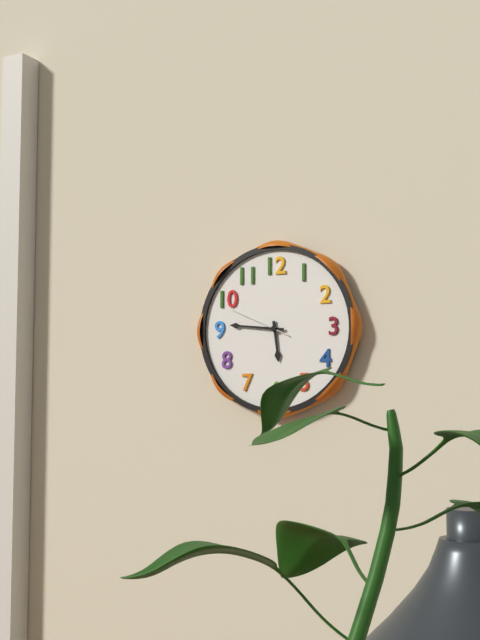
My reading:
h=5 m=46 s=49
